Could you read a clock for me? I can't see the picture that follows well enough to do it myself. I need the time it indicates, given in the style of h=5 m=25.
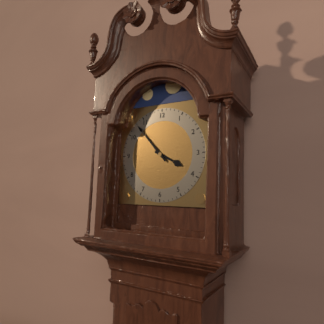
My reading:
h=3 m=53
